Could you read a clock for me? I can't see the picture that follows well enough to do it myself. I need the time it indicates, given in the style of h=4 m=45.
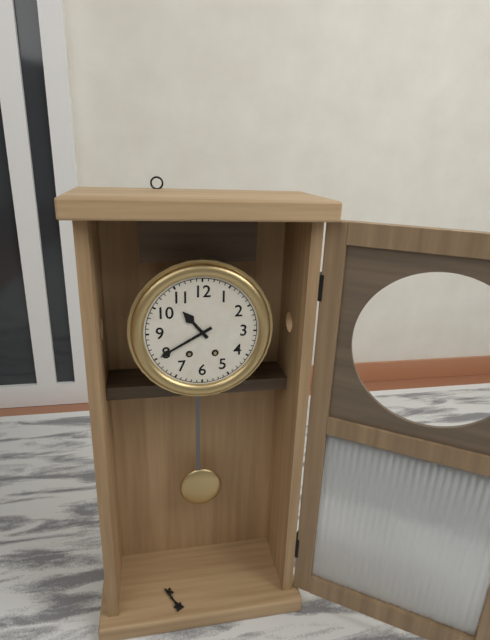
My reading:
h=10 m=40
